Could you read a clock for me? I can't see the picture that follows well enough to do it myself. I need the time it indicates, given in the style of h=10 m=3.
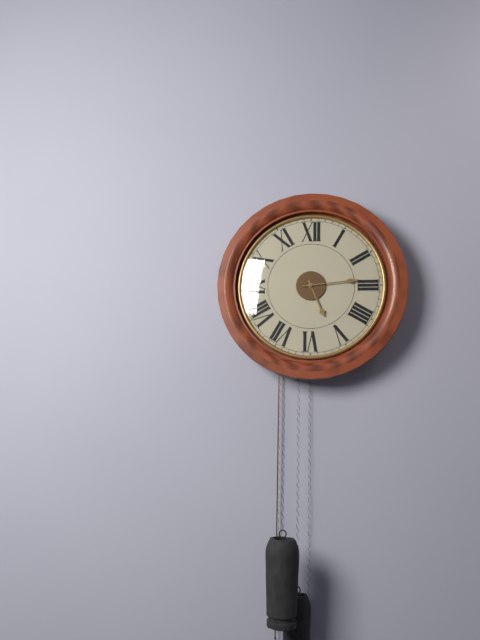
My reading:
h=5 m=14
